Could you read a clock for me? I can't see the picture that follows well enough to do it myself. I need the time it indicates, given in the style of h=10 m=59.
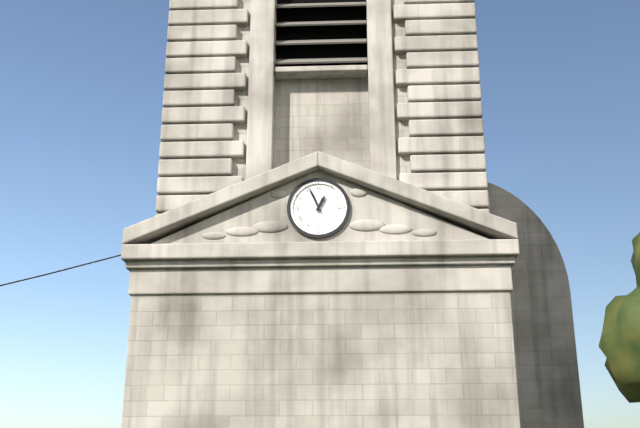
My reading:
h=12 m=56
